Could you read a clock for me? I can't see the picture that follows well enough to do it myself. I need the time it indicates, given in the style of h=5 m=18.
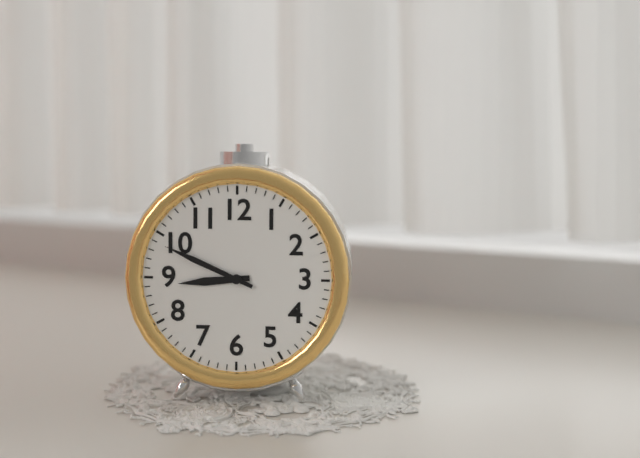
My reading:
h=8 m=49
